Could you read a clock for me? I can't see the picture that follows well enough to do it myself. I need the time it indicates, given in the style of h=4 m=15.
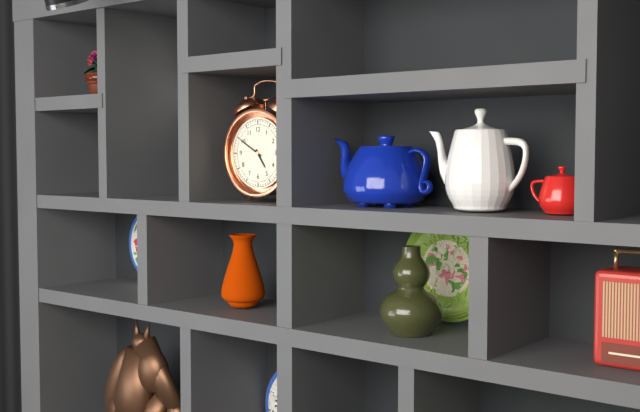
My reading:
h=4 m=50
